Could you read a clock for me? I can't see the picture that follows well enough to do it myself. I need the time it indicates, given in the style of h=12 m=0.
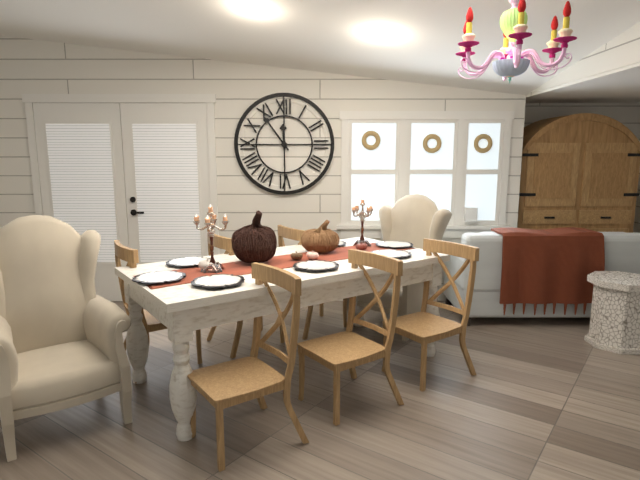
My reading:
h=11 m=54
